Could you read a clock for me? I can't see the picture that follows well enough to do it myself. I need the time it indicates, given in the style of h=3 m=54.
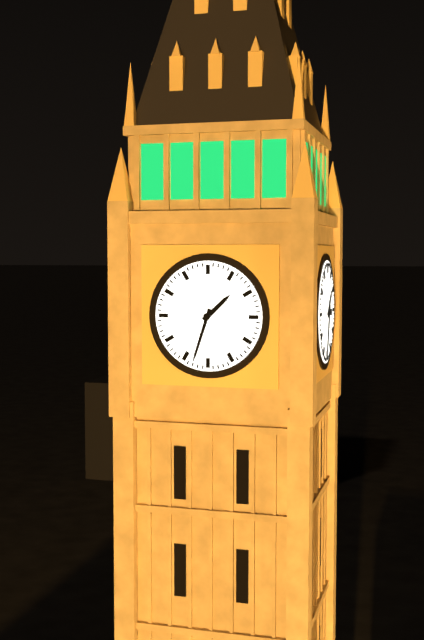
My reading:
h=1 m=33
